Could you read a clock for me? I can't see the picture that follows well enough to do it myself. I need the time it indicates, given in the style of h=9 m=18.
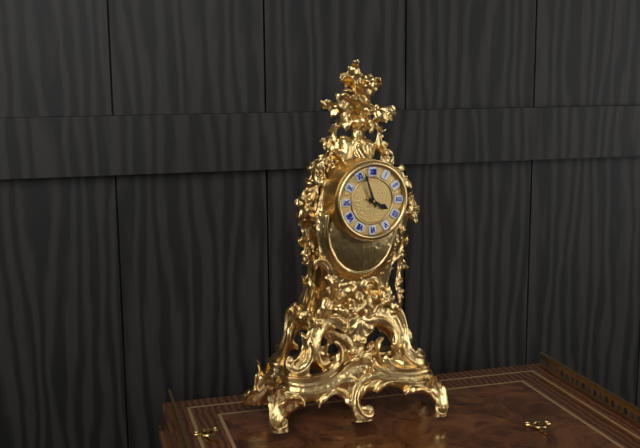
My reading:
h=3 m=57
